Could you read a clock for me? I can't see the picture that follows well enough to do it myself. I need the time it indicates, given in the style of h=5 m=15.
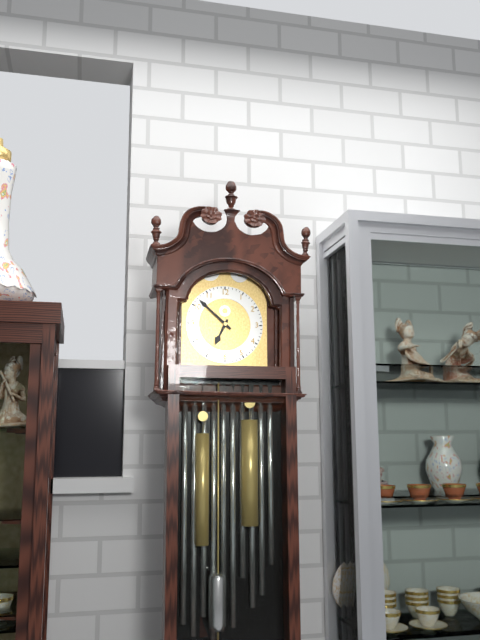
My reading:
h=6 m=52
